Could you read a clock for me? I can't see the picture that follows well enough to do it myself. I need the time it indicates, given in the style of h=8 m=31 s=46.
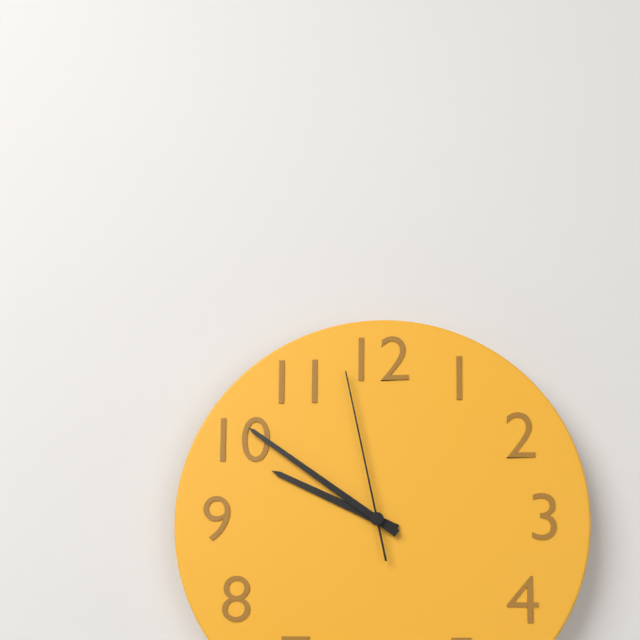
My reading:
h=9 m=51 s=58
